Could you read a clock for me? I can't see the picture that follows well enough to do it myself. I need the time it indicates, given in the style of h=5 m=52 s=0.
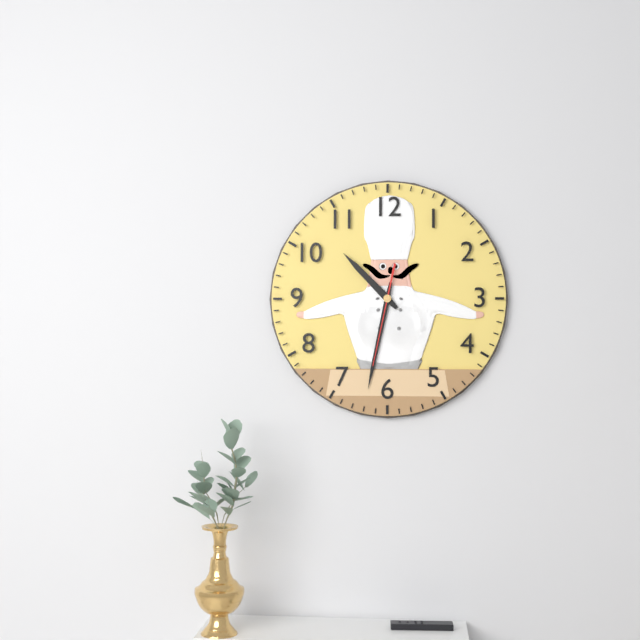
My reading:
h=10 m=32 s=32
